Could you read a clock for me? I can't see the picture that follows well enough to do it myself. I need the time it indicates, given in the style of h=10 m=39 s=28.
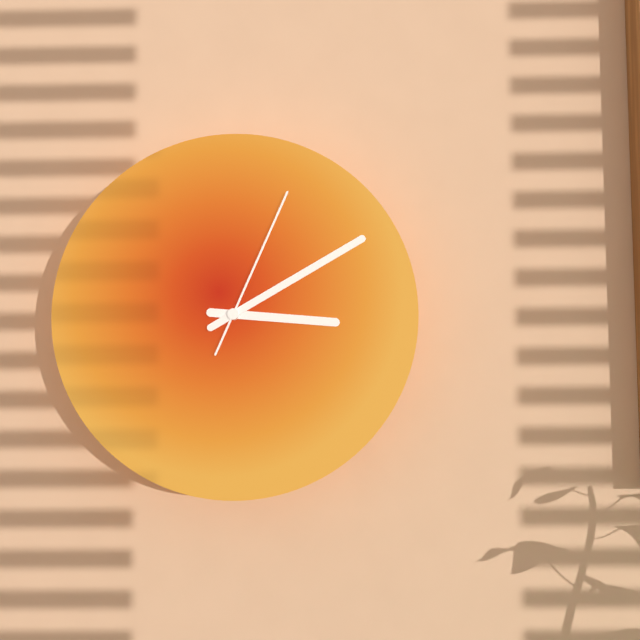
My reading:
h=3 m=10 s=4
